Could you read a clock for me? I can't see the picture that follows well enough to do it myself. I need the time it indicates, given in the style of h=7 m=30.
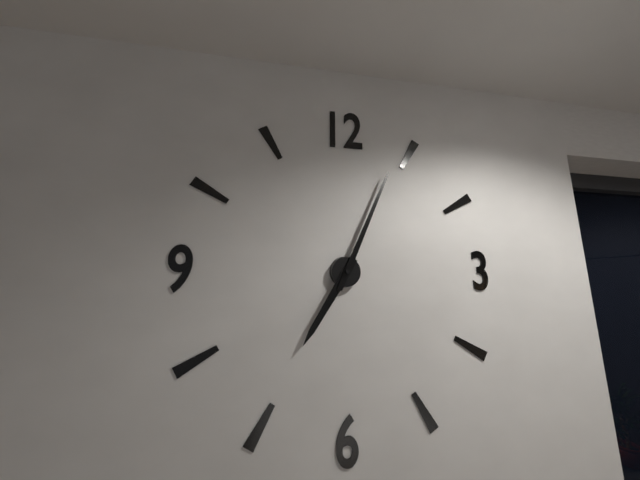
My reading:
h=7 m=4
